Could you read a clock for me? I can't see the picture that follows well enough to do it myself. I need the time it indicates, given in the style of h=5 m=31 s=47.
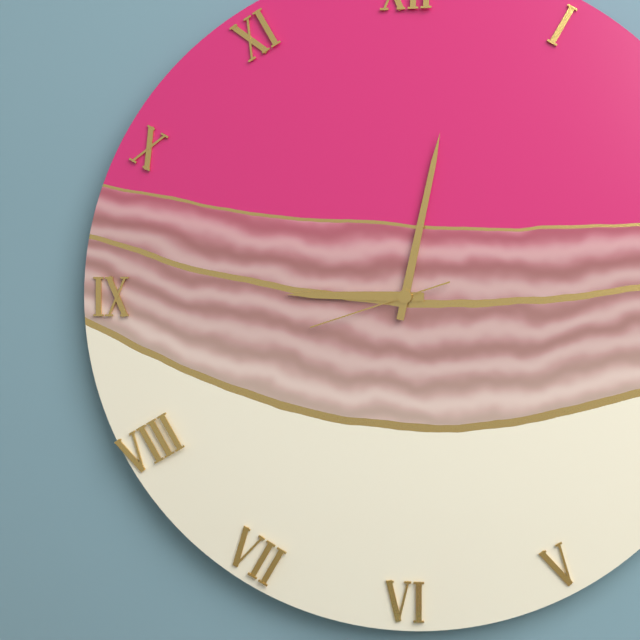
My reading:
h=9 m=2 s=42
